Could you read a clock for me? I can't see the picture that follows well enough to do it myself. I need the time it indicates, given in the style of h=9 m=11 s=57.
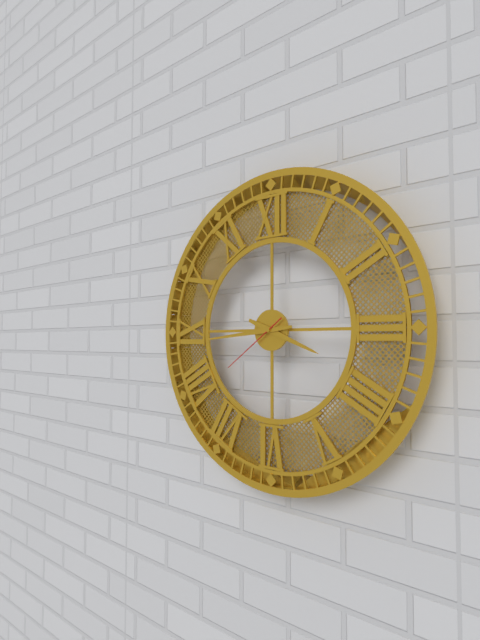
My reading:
h=3 m=44 s=39
